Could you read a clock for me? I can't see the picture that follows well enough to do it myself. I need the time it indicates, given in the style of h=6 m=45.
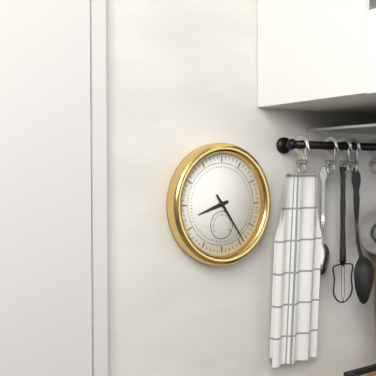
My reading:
h=8 m=24
